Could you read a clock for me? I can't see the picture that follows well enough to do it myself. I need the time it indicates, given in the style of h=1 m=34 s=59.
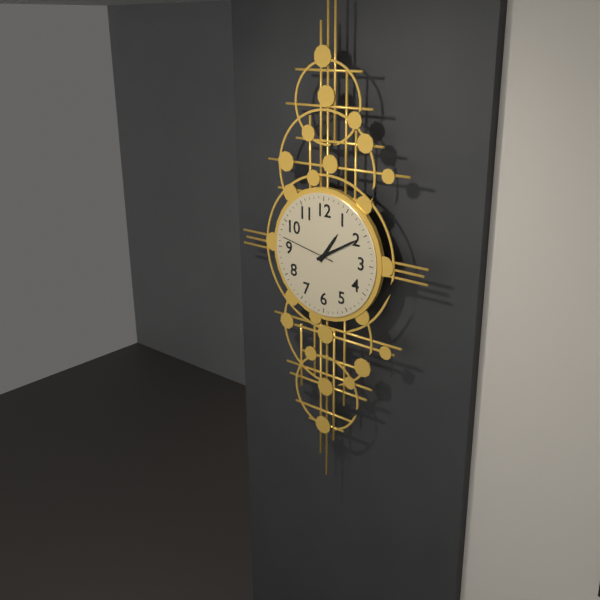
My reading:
h=1 m=10 s=47
